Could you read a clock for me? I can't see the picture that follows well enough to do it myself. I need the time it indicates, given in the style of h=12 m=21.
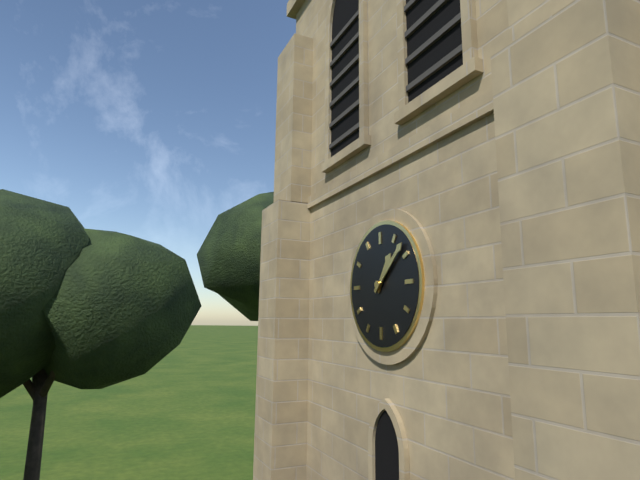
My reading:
h=1 m=8
